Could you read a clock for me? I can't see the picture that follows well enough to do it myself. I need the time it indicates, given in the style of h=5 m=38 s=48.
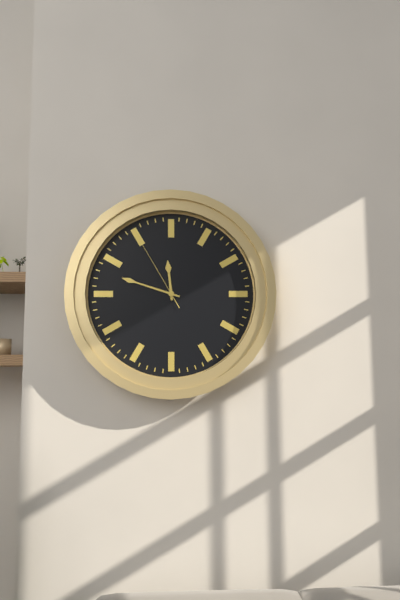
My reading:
h=11 m=48 s=55
